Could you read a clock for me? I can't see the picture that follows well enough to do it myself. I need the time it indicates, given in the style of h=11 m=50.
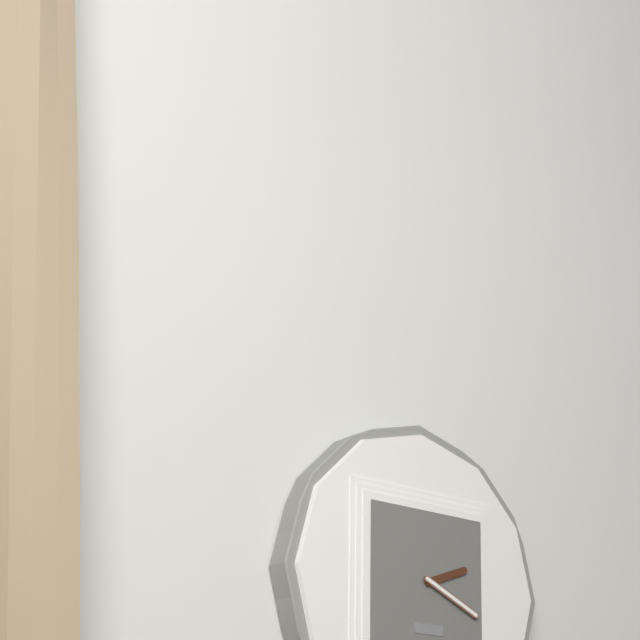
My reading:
h=2 m=19
